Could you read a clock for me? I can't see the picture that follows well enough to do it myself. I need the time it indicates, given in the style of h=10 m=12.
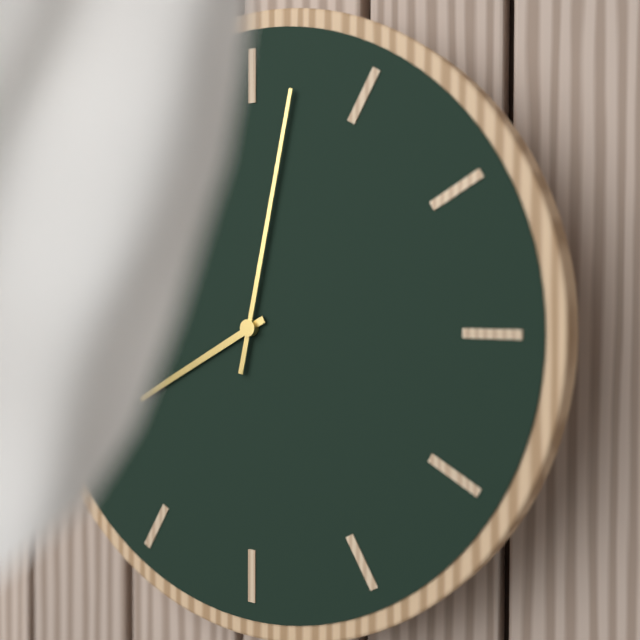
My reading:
h=8 m=2
